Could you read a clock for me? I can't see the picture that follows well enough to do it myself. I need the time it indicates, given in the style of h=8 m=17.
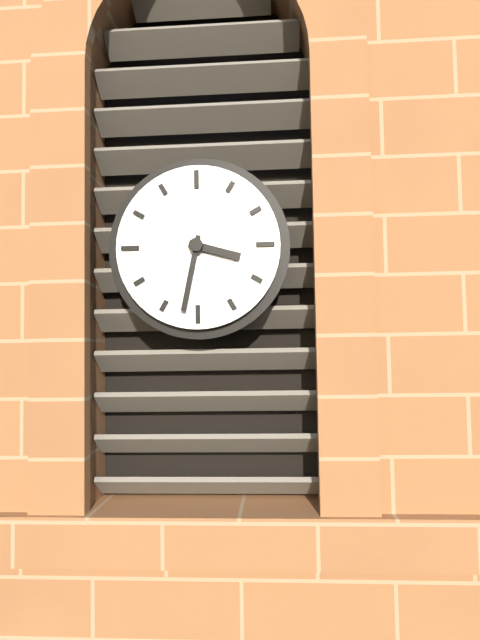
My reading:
h=3 m=32
